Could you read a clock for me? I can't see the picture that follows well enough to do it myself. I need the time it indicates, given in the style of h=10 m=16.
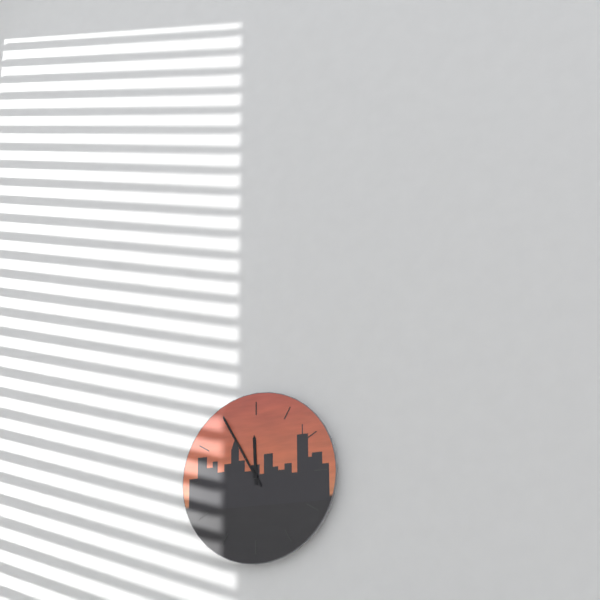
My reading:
h=11 m=55
